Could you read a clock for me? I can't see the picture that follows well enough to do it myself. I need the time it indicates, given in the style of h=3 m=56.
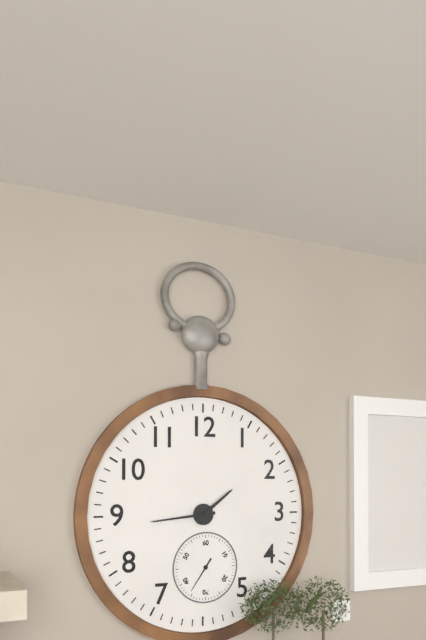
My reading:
h=1 m=44
